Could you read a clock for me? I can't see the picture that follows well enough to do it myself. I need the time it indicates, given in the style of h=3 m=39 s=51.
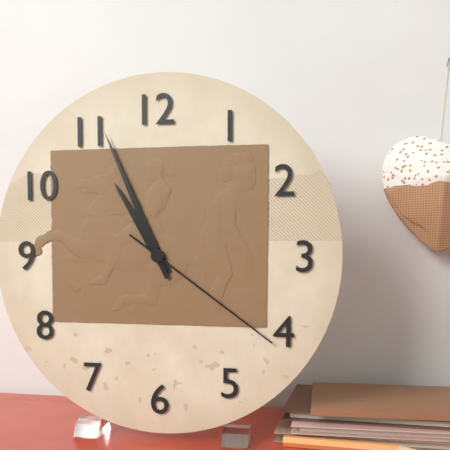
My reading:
h=10 m=56 s=21
